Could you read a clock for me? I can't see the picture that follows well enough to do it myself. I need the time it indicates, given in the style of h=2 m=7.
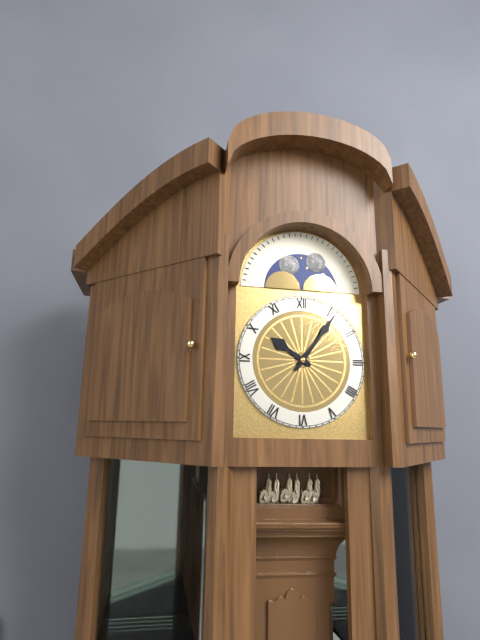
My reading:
h=10 m=6
